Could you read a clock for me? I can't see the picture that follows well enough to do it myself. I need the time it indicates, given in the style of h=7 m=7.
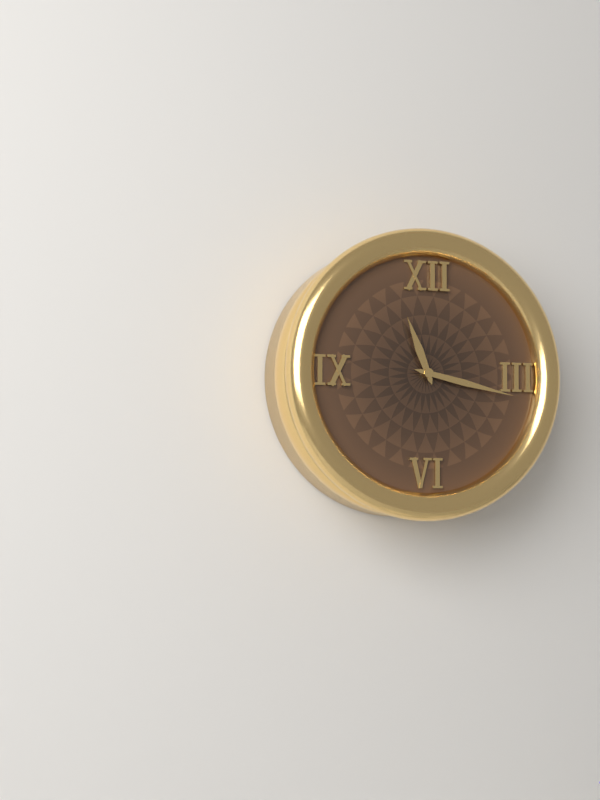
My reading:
h=11 m=17
